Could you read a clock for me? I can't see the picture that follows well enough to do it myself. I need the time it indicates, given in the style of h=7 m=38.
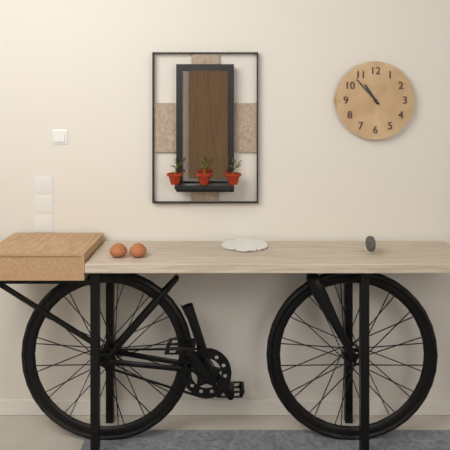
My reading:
h=10 m=53
